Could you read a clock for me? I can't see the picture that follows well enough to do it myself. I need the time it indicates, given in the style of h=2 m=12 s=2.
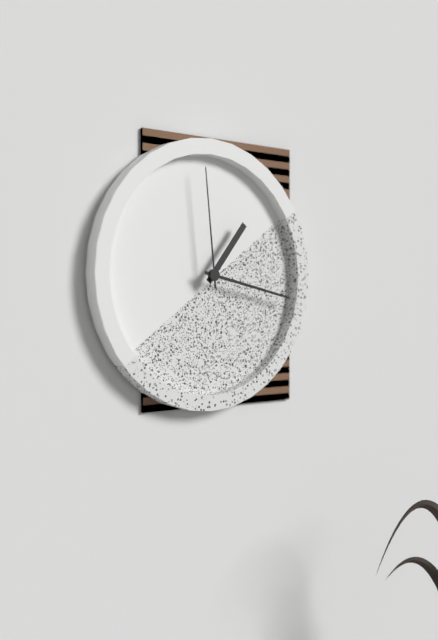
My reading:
h=1 m=17 s=59
